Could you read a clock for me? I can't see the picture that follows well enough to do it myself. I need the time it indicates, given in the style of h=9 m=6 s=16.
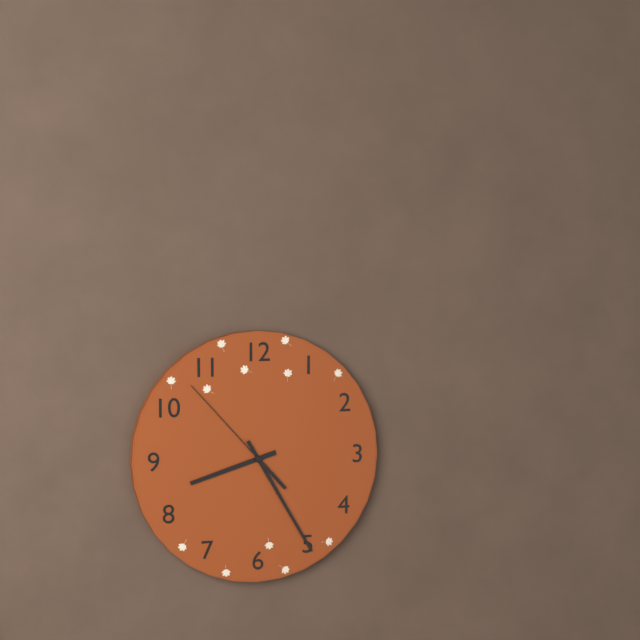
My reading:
h=8 m=25 s=53
